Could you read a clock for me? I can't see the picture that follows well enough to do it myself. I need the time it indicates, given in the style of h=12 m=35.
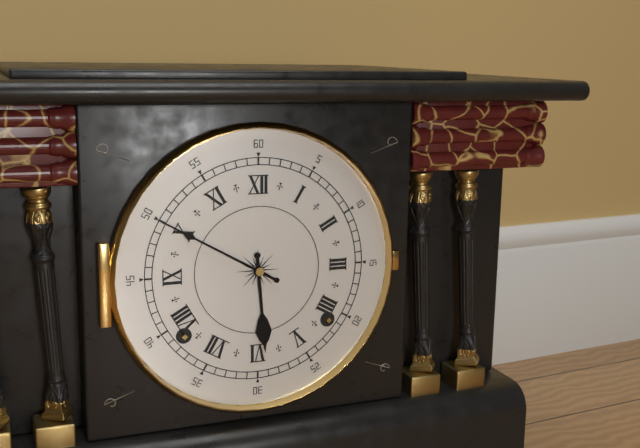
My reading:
h=5 m=50
